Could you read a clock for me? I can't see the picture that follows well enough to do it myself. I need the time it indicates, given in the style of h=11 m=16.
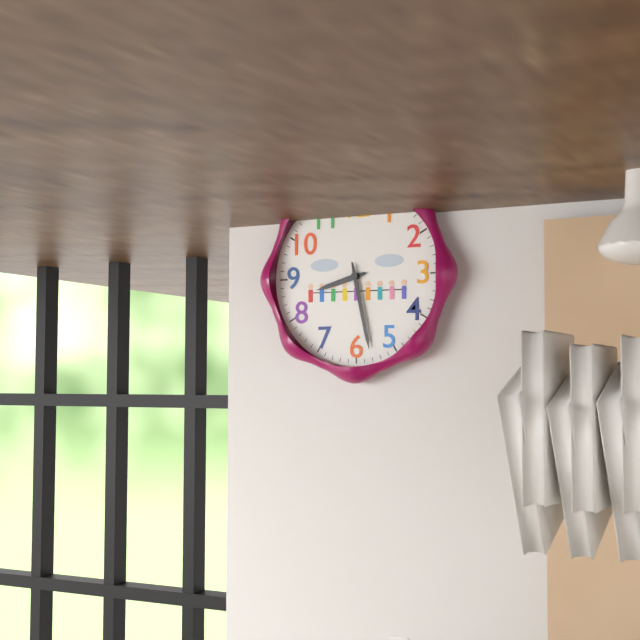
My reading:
h=8 m=28
